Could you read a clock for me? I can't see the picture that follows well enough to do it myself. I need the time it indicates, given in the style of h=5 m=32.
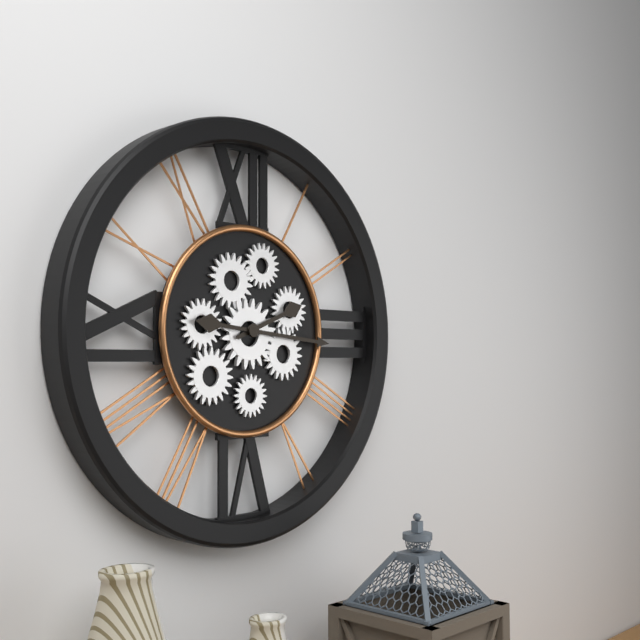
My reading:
h=2 m=16
